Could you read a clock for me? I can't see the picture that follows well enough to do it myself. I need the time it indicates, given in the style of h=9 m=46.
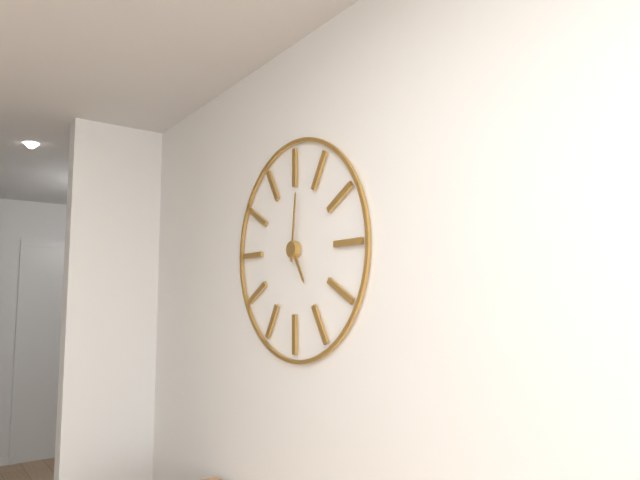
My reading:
h=5 m=1
